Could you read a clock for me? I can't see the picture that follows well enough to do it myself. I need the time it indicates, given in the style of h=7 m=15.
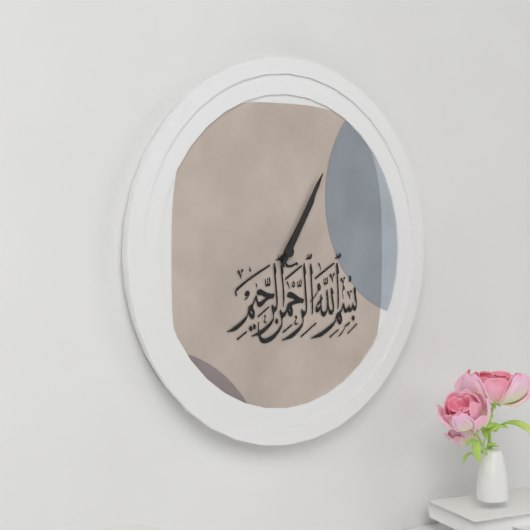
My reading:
h=1 m=5
